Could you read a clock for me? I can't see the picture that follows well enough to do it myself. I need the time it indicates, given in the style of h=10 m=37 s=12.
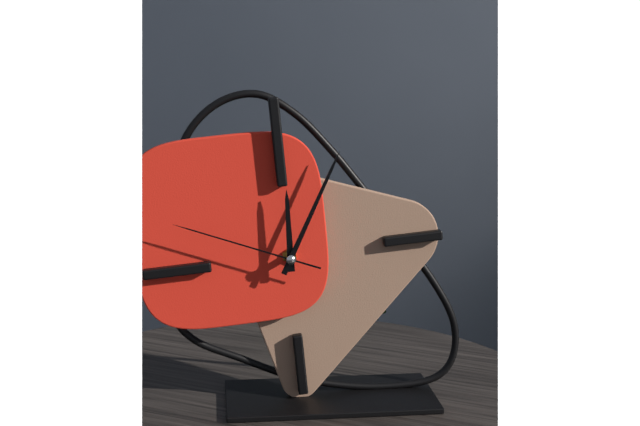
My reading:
h=12 m=5 s=49
